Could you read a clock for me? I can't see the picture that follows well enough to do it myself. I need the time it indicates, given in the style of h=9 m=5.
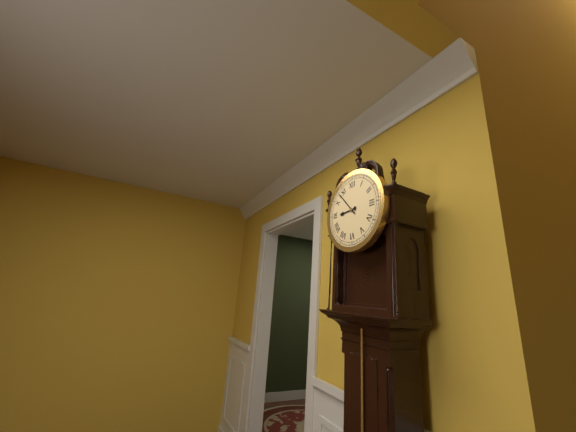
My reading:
h=8 m=53
